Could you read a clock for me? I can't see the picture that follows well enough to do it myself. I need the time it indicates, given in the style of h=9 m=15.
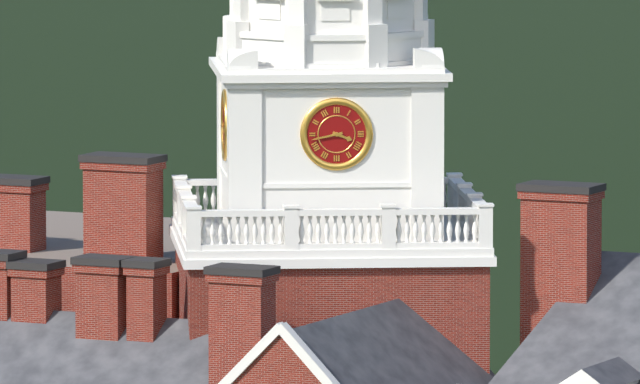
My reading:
h=3 m=43
